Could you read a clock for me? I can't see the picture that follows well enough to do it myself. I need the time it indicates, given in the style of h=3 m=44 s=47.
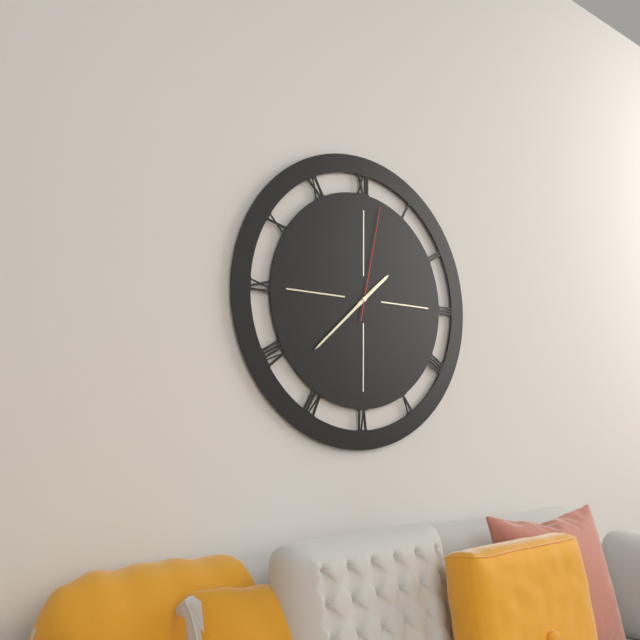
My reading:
h=1 m=38 s=2
